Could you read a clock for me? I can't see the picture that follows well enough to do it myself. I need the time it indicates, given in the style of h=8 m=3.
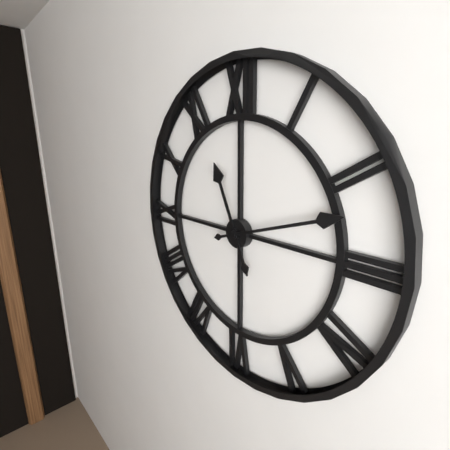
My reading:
h=11 m=12
